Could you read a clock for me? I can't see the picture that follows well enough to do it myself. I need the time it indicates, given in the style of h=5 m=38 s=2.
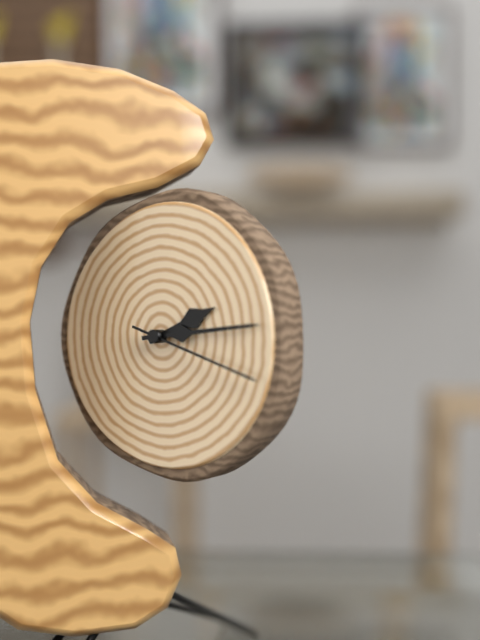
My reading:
h=2 m=14 s=18
